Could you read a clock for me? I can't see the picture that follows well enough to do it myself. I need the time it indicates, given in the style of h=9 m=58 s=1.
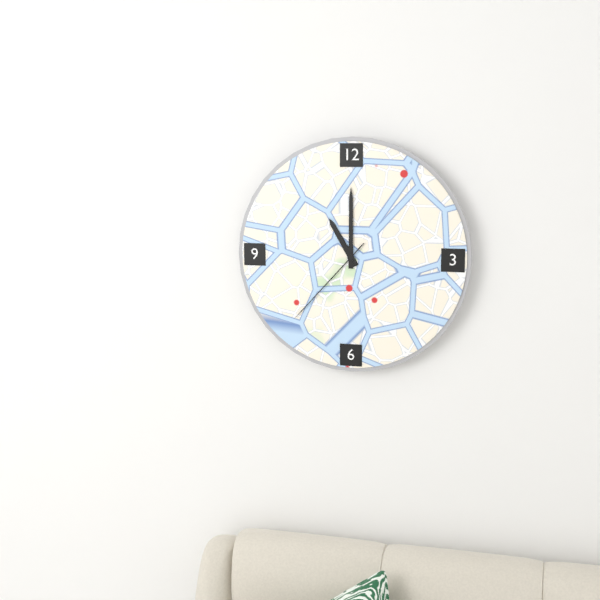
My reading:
h=11 m=0 s=37
